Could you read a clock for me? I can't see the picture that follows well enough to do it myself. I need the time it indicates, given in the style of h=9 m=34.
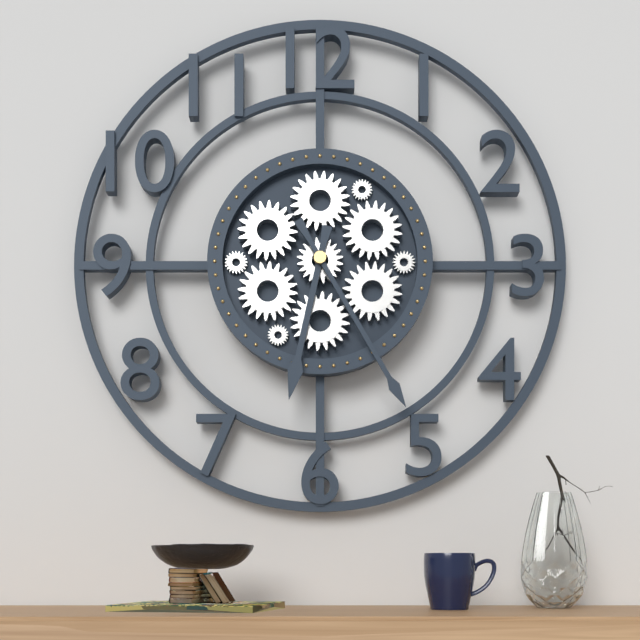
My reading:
h=6 m=25
